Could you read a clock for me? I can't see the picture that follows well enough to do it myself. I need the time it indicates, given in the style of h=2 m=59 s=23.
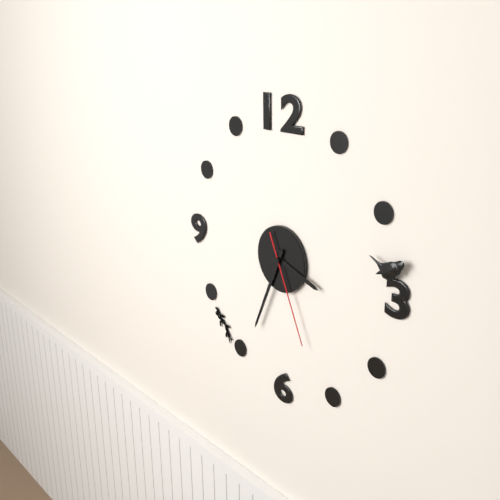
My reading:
h=3 m=34 s=26
